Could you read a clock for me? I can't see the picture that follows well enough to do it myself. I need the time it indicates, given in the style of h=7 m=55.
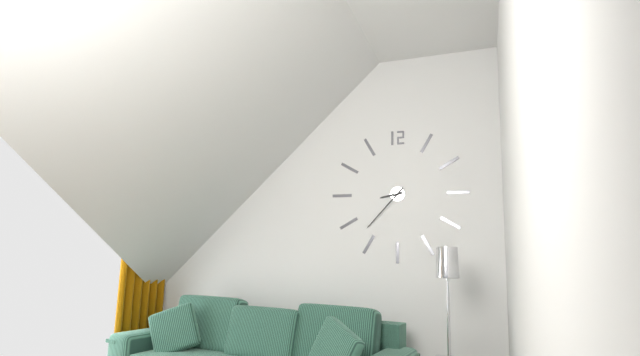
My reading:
h=8 m=37
